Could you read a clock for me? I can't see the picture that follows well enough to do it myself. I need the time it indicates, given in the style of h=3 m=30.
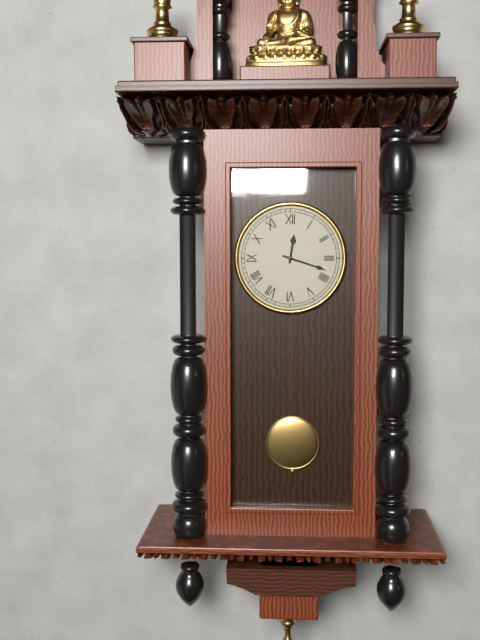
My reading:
h=12 m=18
